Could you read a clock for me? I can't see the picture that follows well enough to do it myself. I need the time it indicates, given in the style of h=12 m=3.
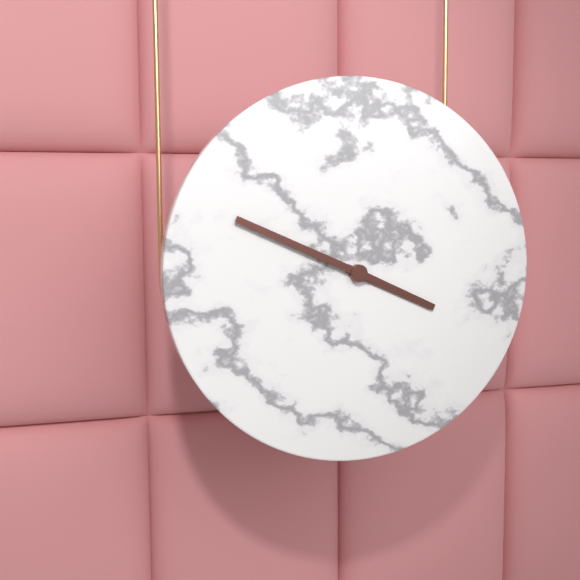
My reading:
h=3 m=49
